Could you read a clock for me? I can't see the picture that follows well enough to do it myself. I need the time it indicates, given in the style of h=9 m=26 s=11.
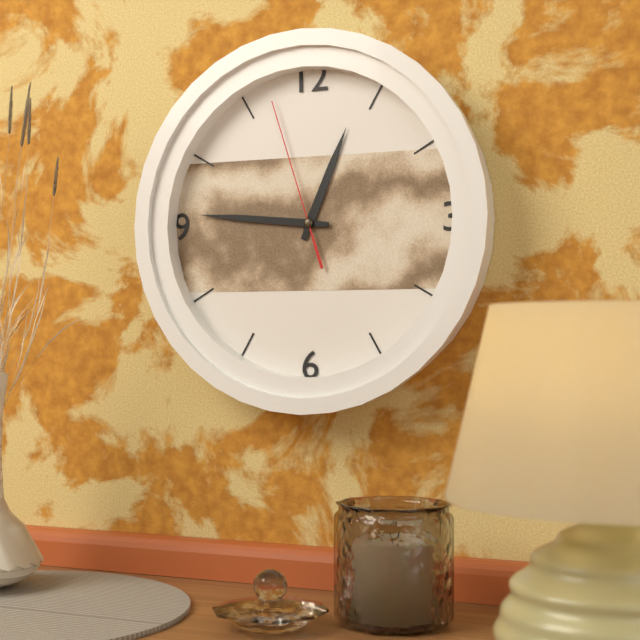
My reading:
h=12 m=46 s=57
